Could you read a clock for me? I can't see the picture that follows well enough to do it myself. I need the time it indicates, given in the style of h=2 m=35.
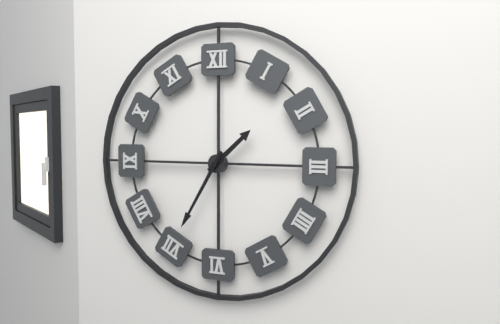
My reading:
h=1 m=35
